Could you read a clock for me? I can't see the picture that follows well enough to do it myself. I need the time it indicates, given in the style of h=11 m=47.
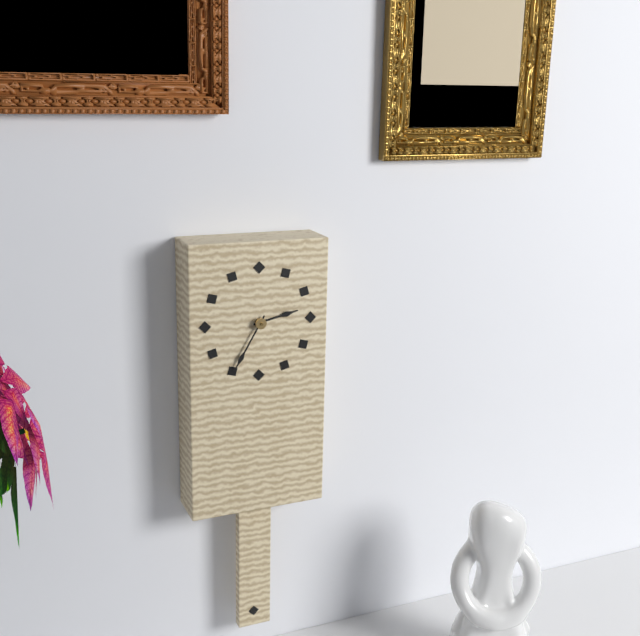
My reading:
h=2 m=35
